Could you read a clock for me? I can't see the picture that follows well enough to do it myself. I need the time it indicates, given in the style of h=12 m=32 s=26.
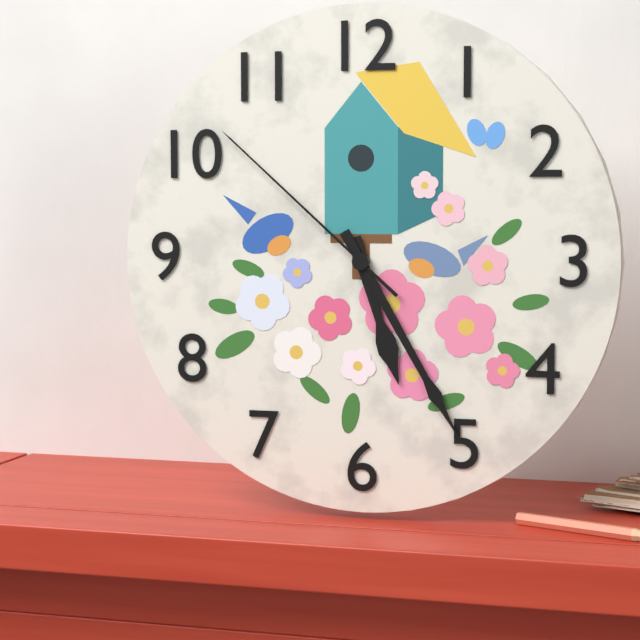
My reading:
h=5 m=25 s=52
